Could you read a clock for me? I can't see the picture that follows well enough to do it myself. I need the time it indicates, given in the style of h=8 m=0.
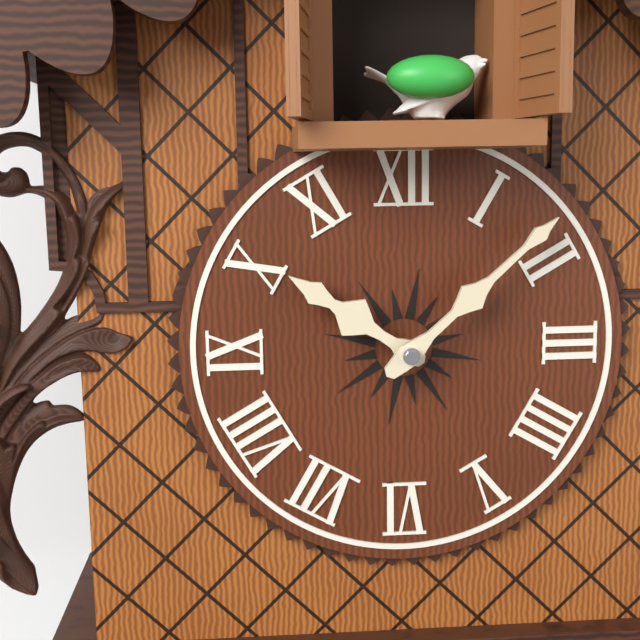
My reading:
h=10 m=8
